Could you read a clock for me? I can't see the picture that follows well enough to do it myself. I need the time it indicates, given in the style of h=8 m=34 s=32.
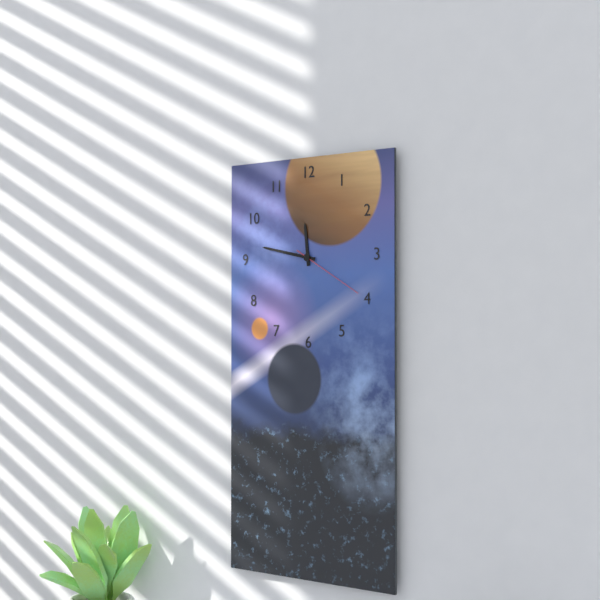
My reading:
h=11 m=47 s=20
